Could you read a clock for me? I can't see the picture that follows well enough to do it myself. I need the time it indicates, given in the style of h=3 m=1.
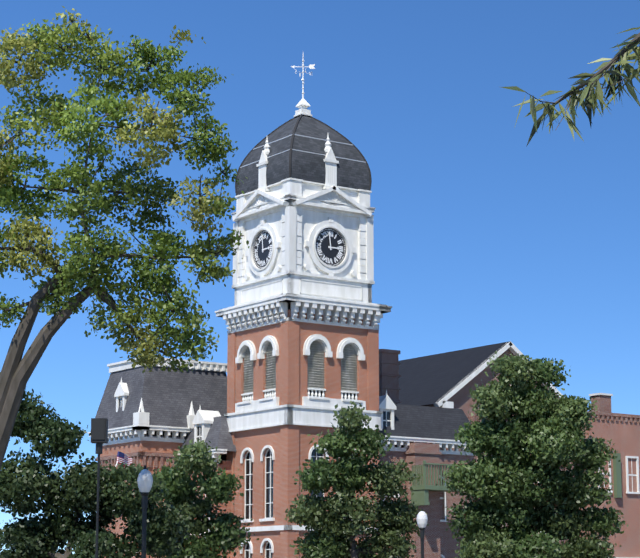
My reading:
h=2 m=59
